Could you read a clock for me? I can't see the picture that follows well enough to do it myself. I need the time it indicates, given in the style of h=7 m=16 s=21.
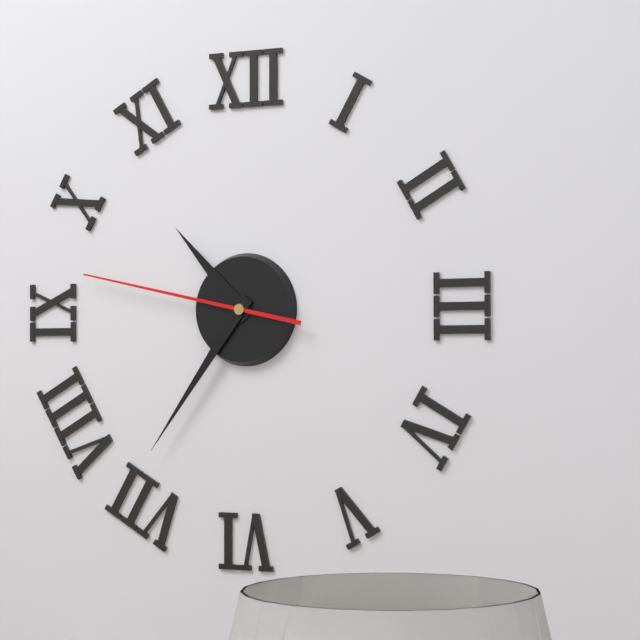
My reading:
h=10 m=36 s=47
